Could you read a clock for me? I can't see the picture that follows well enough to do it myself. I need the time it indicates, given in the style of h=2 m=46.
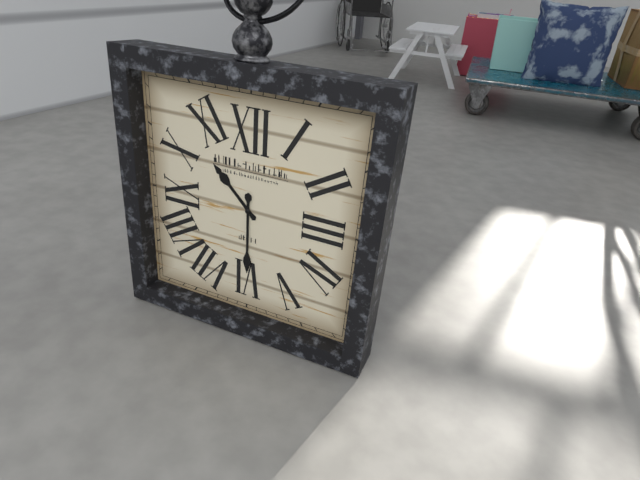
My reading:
h=10 m=30
